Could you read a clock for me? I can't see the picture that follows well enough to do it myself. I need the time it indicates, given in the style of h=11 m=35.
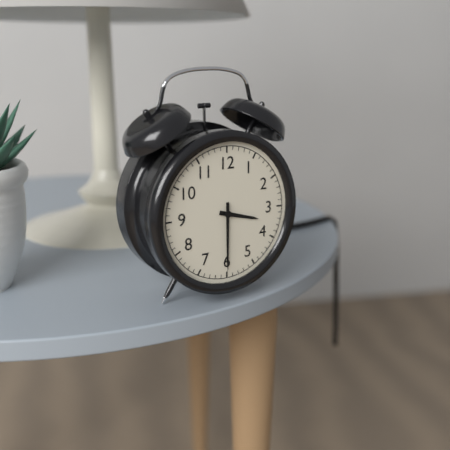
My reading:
h=3 m=30
